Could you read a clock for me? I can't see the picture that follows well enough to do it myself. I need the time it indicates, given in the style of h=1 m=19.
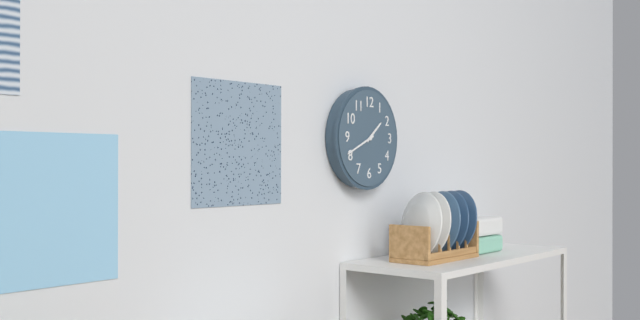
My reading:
h=1 m=41
